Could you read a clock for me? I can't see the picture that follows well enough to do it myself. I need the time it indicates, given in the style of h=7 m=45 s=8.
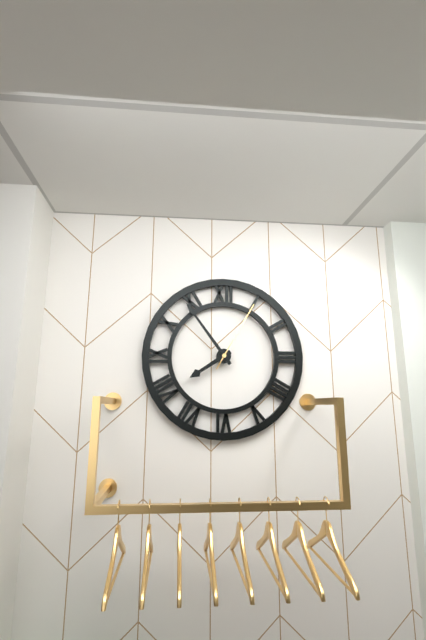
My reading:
h=7 m=54 s=5
